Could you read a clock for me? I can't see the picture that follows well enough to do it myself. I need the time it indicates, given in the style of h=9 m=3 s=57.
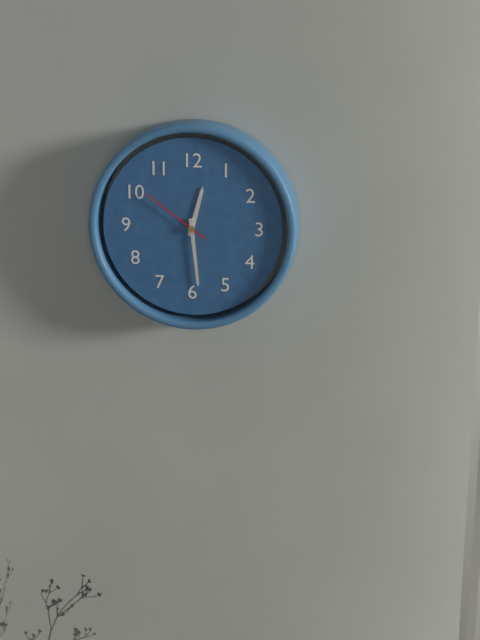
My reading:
h=12 m=29 s=51
